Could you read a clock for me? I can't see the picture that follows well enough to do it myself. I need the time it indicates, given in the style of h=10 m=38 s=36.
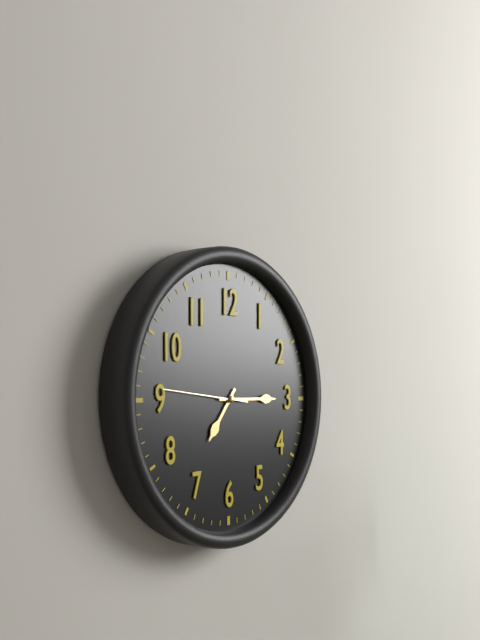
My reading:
h=7 m=15 s=46
